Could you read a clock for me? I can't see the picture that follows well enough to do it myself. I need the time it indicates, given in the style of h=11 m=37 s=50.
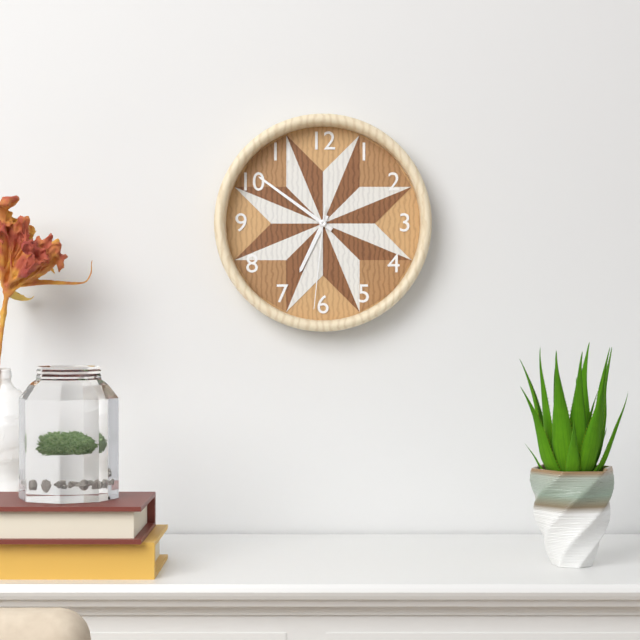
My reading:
h=6 m=51 s=31
